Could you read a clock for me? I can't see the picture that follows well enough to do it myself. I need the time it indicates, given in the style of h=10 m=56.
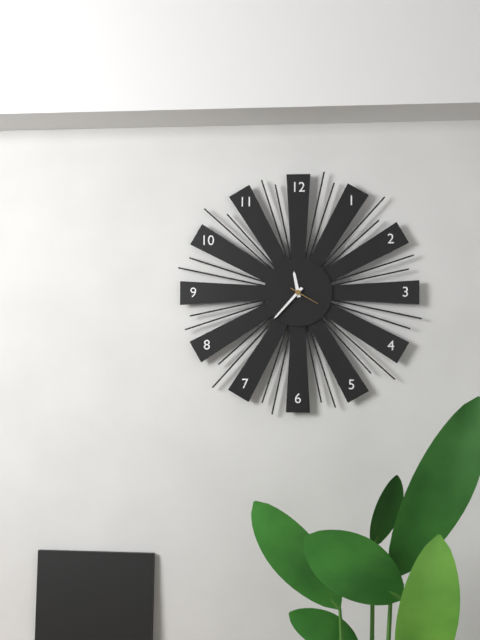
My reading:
h=11 m=37
